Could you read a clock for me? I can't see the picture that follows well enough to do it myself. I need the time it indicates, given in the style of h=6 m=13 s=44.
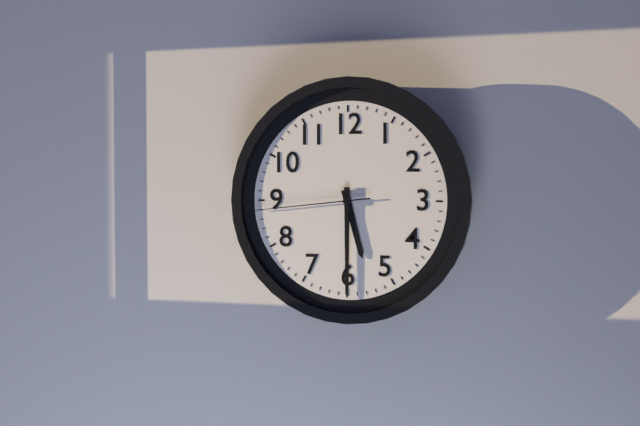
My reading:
h=5 m=30 s=44
